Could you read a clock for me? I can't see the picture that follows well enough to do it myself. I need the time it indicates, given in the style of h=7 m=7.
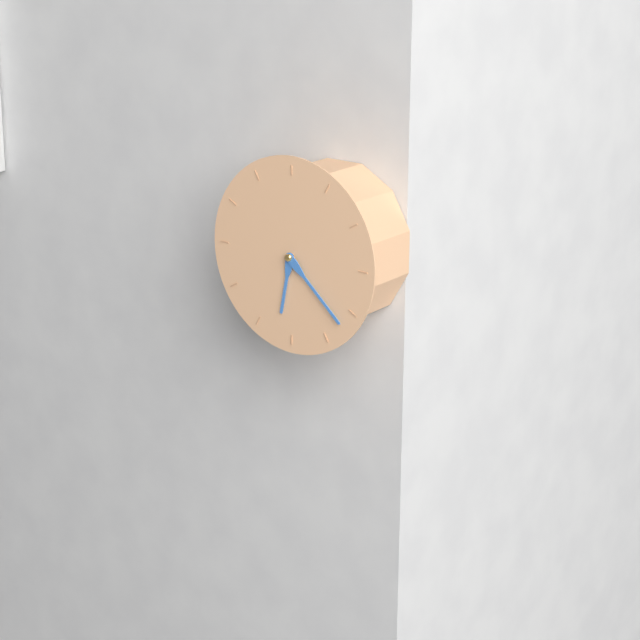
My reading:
h=6 m=22
